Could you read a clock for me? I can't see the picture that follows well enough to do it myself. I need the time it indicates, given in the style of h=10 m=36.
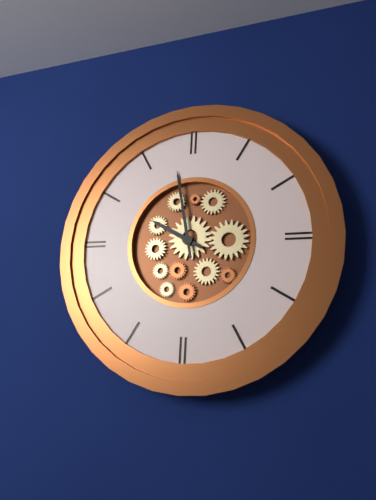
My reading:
h=9 m=58
